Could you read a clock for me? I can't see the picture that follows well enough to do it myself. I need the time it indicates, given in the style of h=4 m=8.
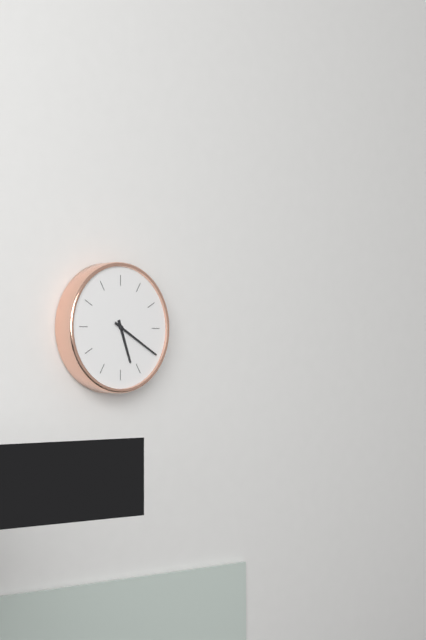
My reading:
h=5 m=20
